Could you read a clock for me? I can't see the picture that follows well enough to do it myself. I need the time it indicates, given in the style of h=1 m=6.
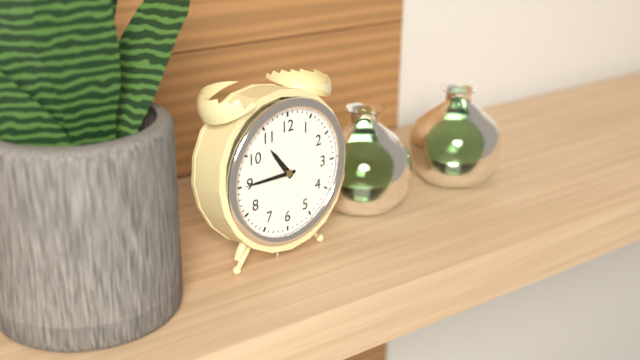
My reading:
h=10 m=45
